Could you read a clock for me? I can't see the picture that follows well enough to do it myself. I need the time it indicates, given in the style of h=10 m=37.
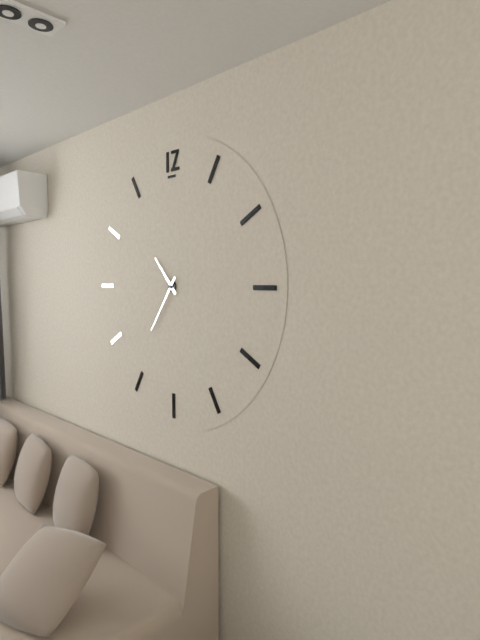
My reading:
h=10 m=36
